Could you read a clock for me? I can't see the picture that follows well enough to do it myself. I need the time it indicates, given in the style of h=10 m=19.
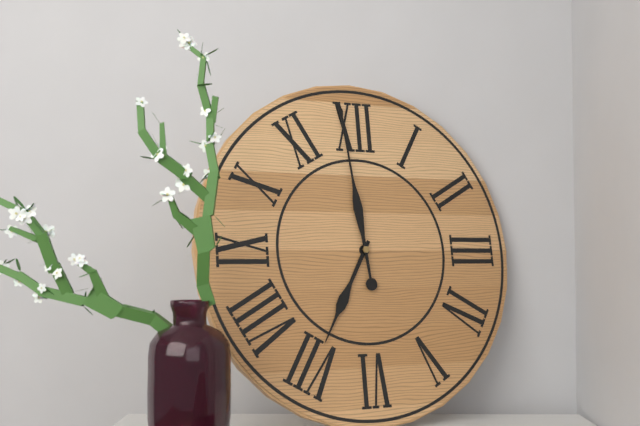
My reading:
h=6 m=59
